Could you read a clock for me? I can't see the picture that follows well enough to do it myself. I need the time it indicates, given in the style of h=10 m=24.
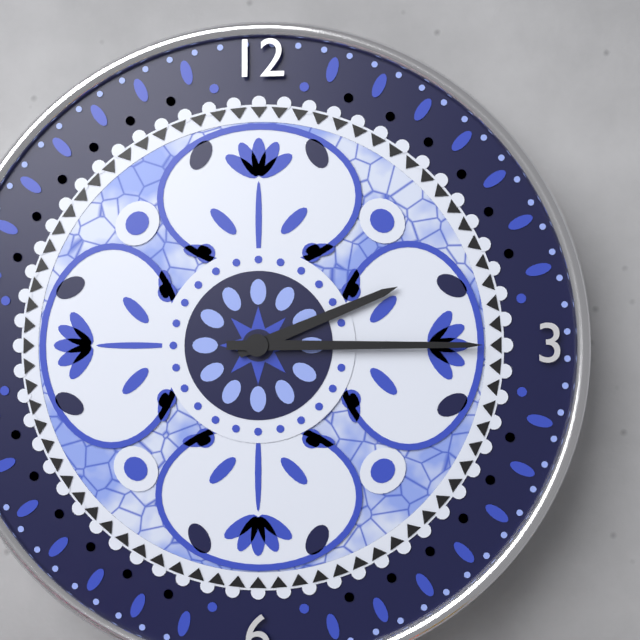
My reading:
h=2 m=15
